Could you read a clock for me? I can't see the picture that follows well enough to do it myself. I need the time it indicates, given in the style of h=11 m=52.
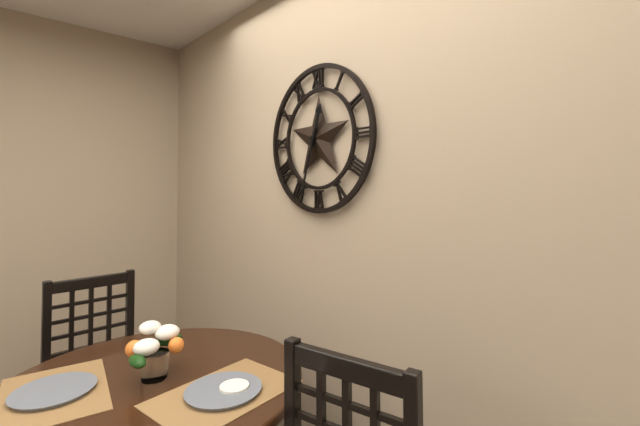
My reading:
h=12 m=33
